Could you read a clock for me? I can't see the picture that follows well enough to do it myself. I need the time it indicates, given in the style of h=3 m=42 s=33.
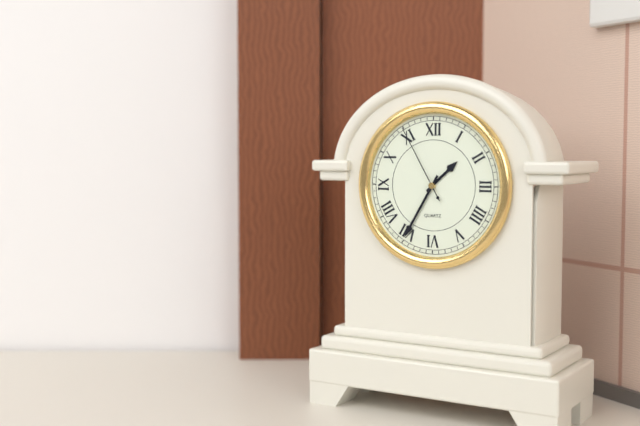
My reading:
h=1 m=35 s=55
